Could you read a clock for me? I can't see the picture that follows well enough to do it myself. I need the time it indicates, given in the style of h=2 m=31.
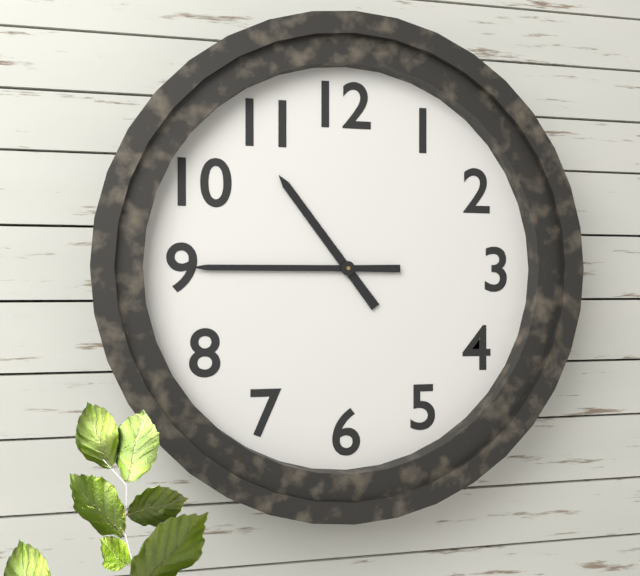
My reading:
h=10 m=45
